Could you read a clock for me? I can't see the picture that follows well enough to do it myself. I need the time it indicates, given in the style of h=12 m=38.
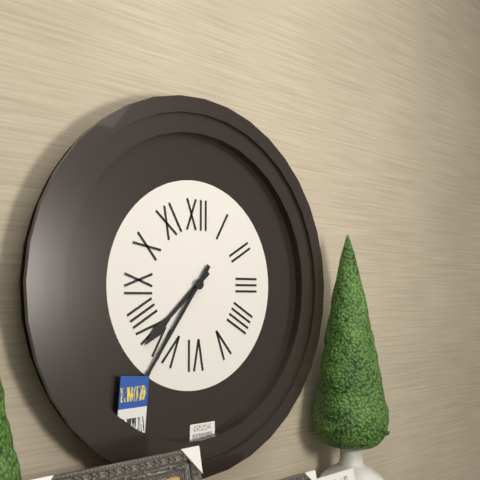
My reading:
h=7 m=36
